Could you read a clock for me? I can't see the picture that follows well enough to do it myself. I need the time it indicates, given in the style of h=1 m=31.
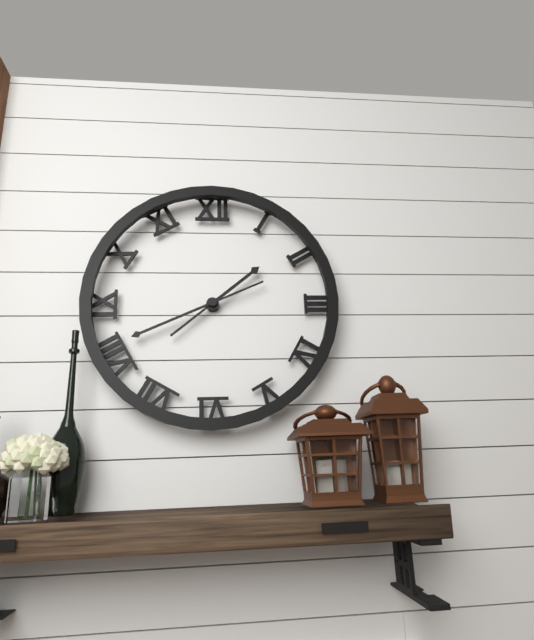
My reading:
h=1 m=41
